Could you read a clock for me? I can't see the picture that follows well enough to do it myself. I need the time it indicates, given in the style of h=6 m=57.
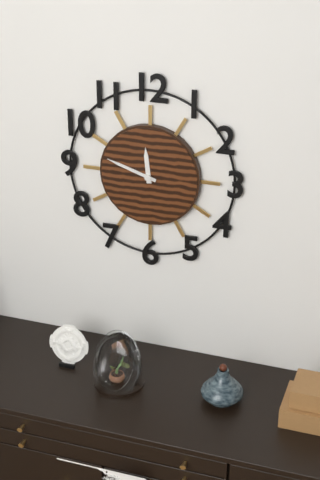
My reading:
h=11 m=48
